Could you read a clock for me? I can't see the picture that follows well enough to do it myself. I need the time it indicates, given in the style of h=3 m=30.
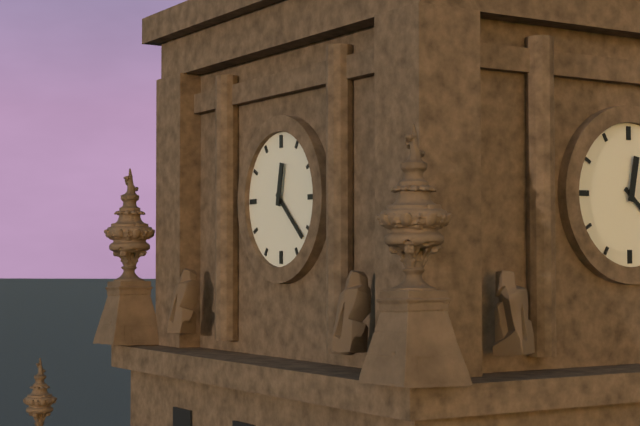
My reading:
h=12 m=22
